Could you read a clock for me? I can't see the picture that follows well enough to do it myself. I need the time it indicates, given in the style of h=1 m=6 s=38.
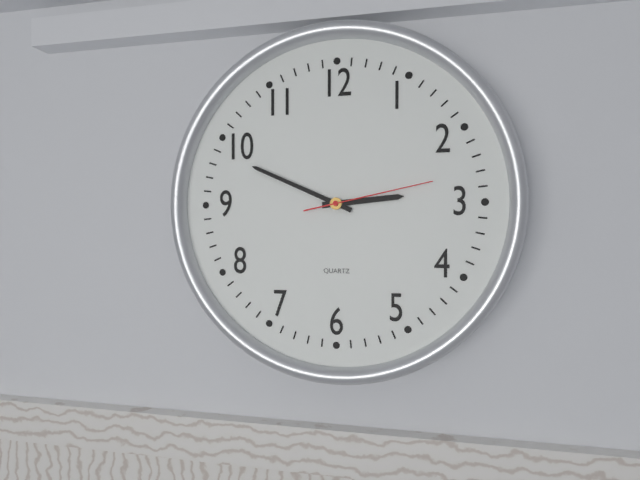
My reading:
h=2 m=49 s=13
